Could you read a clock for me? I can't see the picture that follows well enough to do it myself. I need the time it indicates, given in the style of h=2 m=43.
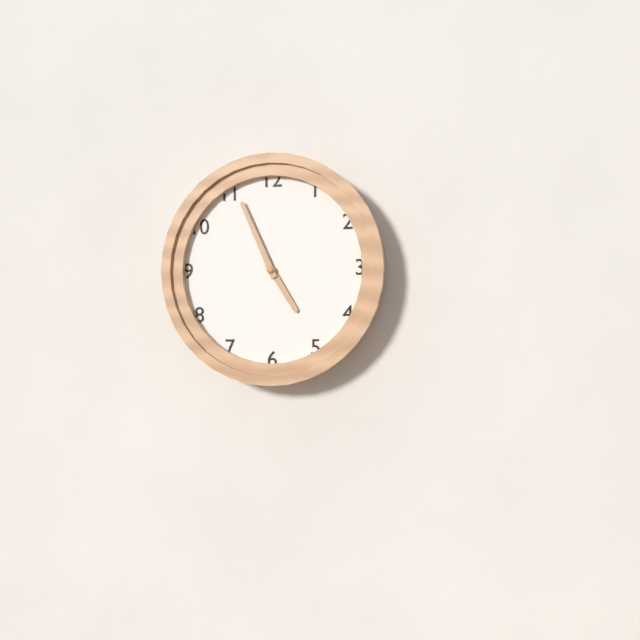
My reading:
h=4 m=56
